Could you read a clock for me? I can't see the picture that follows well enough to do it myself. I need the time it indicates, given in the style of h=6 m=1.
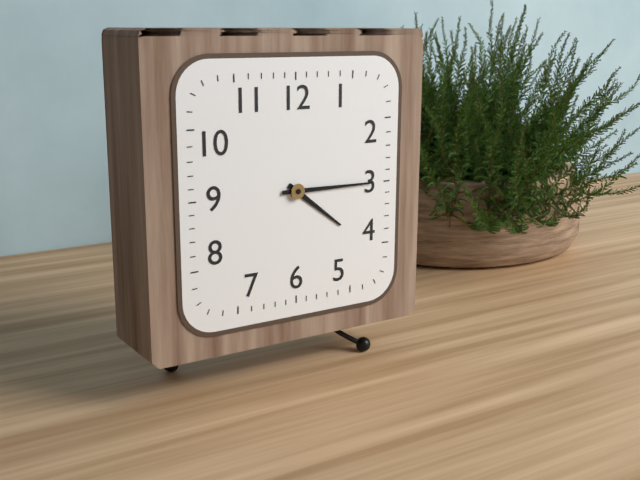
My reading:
h=4 m=15
